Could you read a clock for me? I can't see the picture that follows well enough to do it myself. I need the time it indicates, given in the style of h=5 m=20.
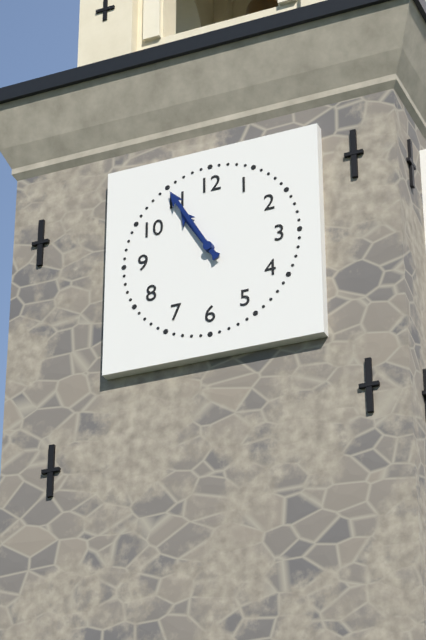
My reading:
h=10 m=55
